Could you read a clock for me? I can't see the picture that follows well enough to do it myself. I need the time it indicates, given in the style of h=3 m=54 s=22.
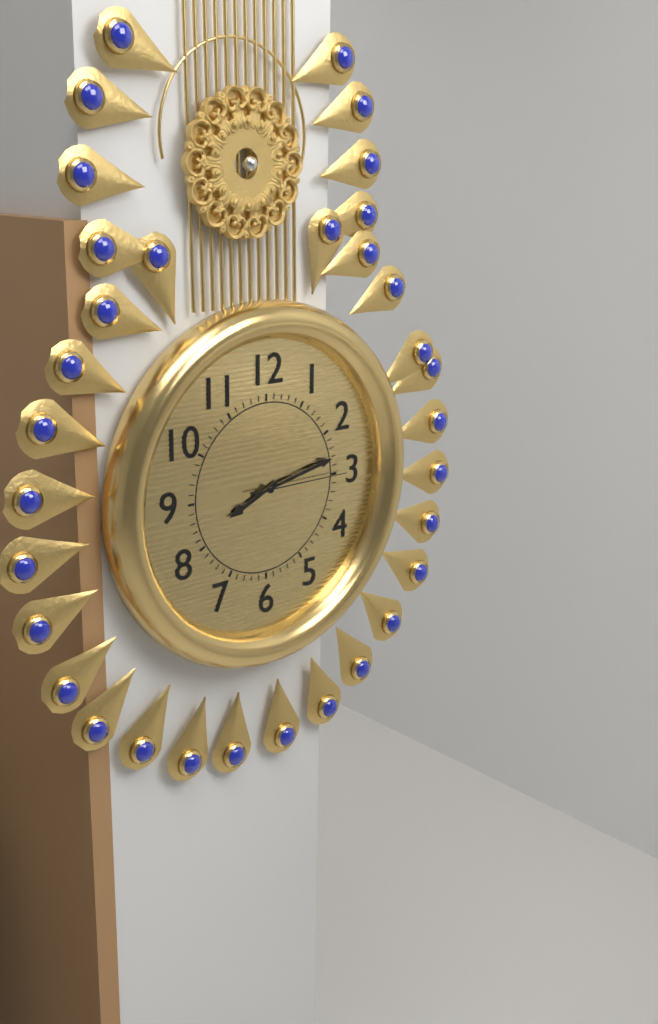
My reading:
h=8 m=13 s=15
